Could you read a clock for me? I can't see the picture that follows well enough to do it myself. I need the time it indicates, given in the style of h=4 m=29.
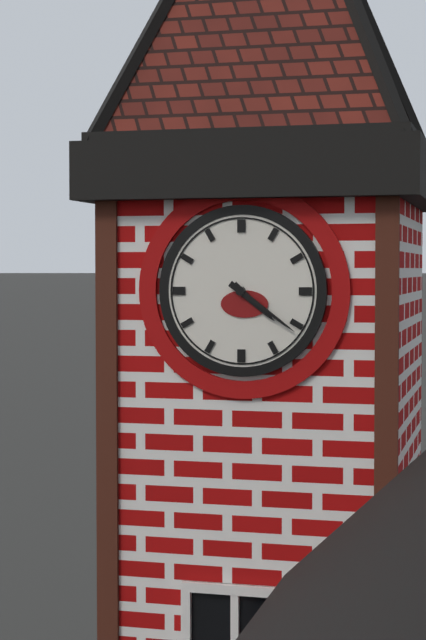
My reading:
h=4 m=21
